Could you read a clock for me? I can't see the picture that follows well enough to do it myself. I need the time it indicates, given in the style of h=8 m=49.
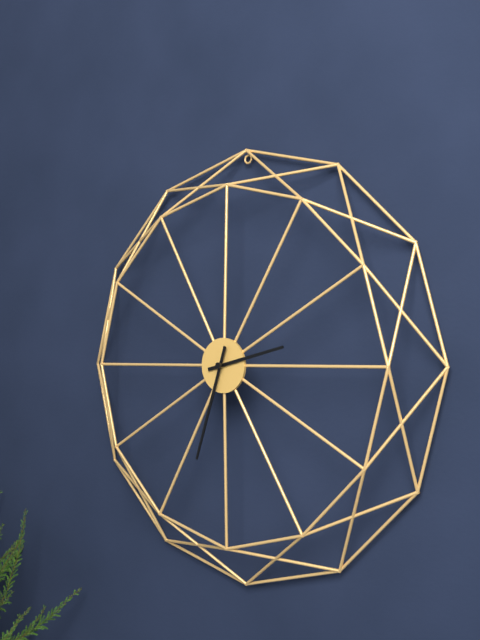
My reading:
h=2 m=33
